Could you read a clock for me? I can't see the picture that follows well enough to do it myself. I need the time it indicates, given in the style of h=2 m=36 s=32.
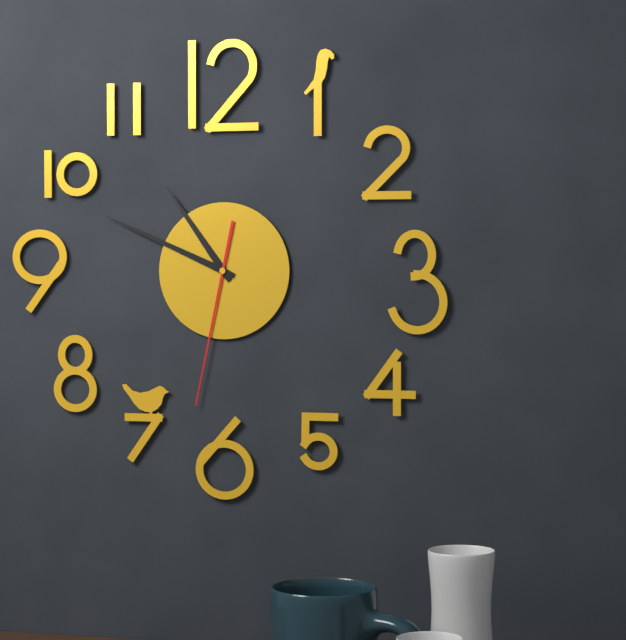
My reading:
h=10 m=49 s=32
